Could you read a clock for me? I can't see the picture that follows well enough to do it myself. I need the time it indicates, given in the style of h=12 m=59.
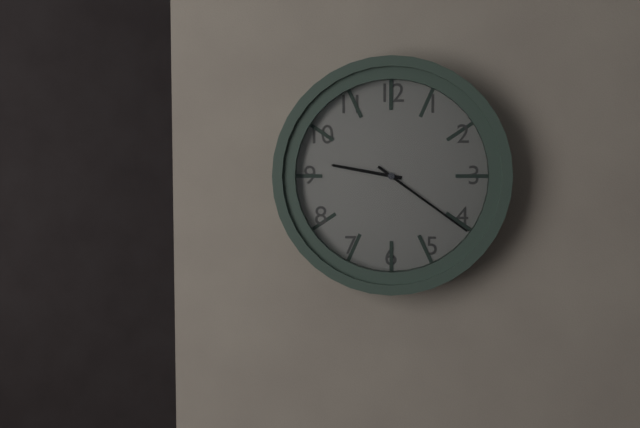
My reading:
h=9 m=21
